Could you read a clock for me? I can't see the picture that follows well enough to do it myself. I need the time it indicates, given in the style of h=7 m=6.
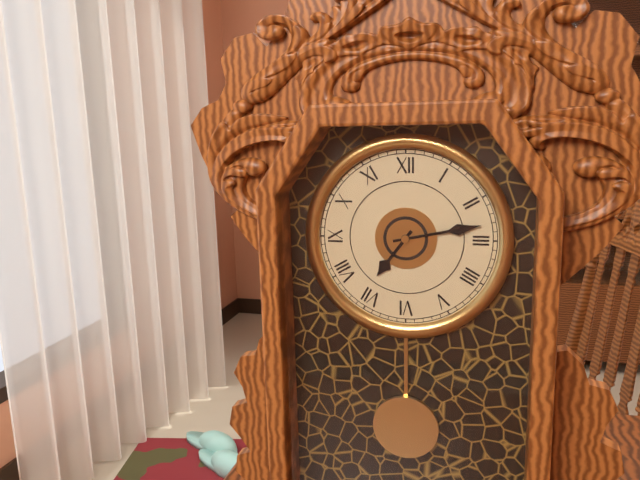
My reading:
h=7 m=13
